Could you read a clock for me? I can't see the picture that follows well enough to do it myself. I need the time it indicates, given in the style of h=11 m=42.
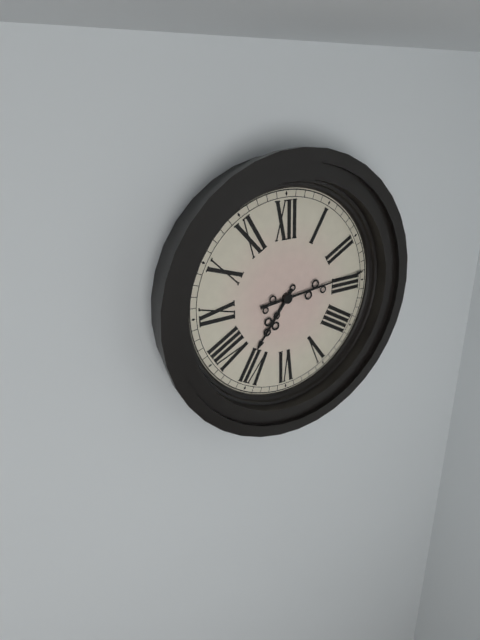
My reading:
h=7 m=14
